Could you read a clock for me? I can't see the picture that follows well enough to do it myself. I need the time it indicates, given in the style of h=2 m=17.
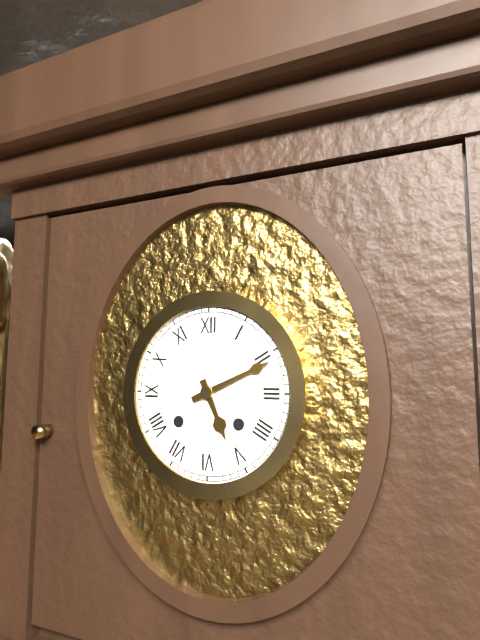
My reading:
h=5 m=11
